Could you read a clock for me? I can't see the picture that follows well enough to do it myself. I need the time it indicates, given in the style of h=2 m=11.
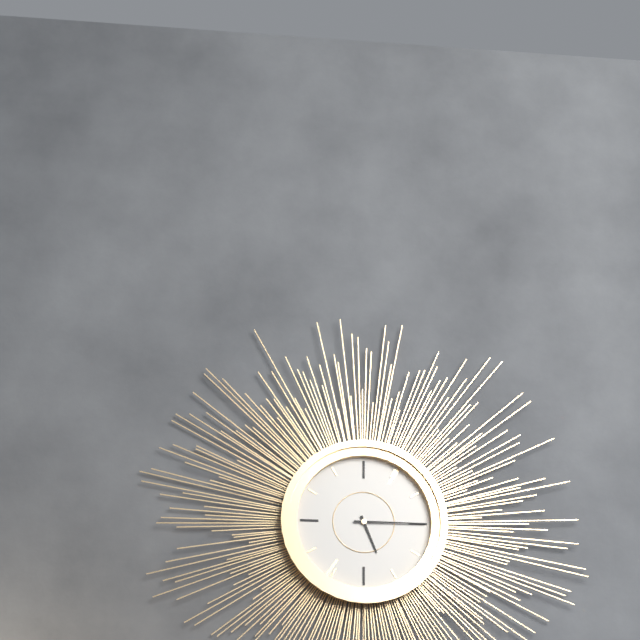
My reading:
h=5 m=15
